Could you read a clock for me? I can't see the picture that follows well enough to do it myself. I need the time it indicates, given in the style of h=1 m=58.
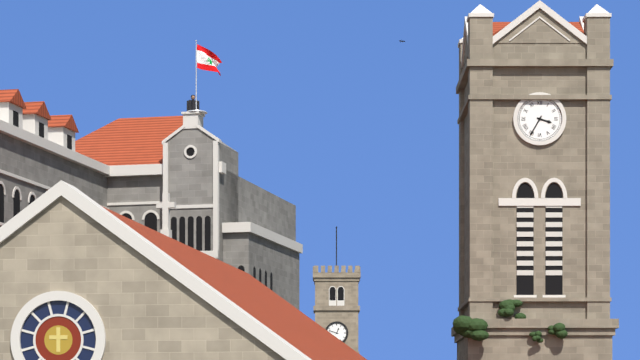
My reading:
h=3 m=35
